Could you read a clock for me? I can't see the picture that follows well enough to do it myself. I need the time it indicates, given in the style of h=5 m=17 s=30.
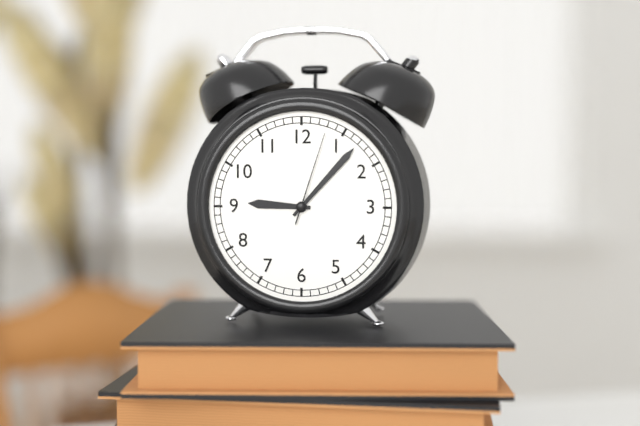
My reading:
h=9 m=7 s=3
